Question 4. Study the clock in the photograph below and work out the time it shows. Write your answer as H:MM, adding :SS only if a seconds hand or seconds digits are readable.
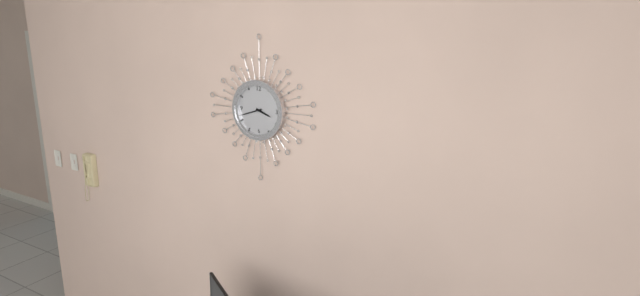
3:42
